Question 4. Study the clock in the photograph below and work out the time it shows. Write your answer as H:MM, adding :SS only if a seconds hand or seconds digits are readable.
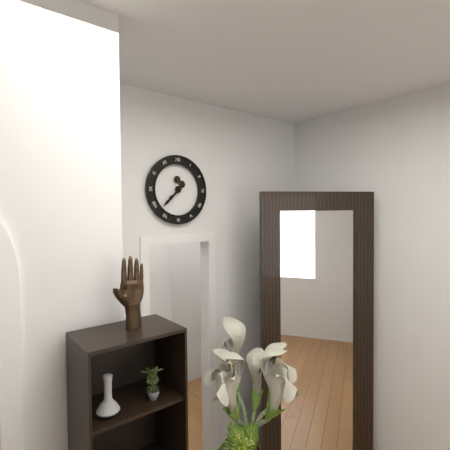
7:38
